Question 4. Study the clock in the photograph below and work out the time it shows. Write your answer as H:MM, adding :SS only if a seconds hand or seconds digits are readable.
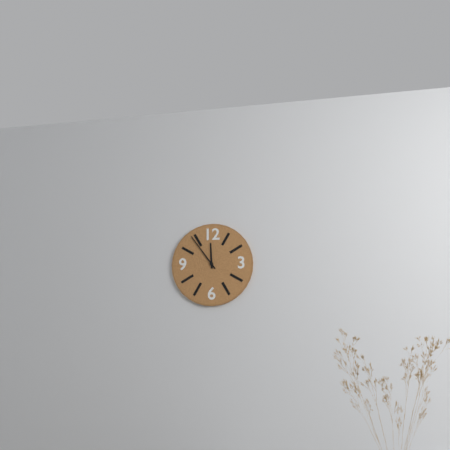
11:54
